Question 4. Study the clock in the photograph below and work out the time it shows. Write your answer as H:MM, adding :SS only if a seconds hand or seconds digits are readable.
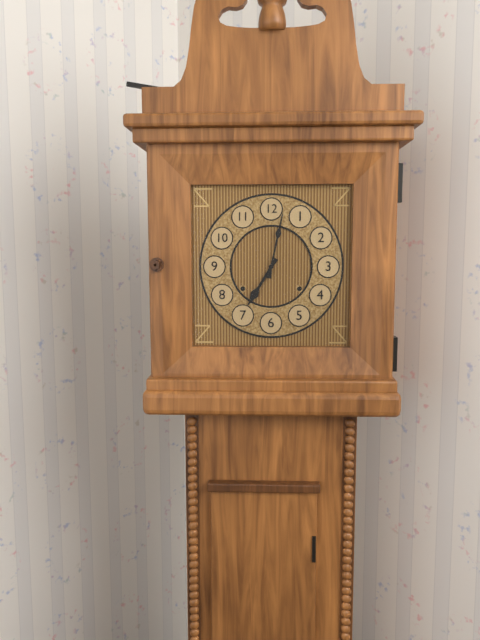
7:02
